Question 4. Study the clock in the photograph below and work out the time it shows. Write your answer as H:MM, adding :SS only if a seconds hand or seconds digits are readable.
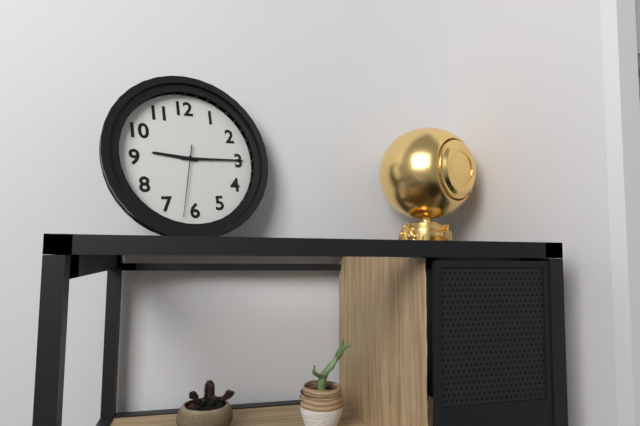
9:15:32
